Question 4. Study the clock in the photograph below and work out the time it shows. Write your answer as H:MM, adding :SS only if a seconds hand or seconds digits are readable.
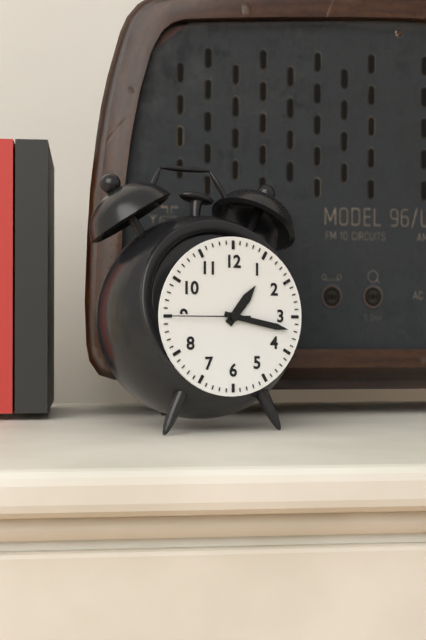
1:17:45
